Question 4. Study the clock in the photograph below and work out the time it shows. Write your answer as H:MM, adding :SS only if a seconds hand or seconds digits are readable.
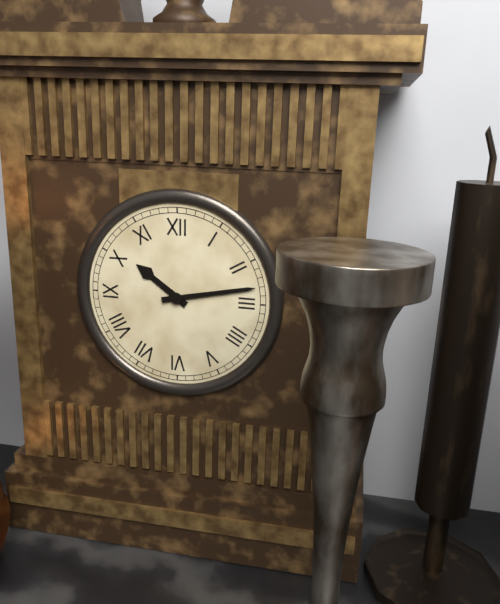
10:13
